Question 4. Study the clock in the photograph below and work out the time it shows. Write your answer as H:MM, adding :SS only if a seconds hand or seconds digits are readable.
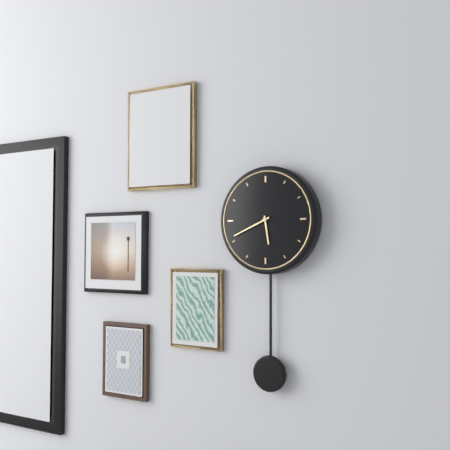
5:41
